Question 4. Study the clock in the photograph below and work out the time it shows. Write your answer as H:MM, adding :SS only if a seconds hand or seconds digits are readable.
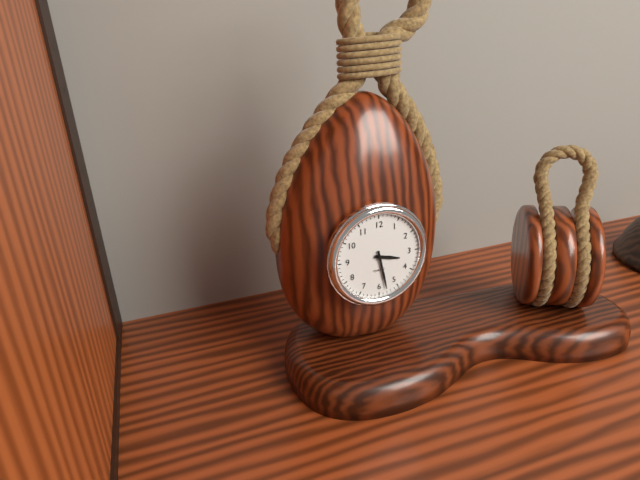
3:28
